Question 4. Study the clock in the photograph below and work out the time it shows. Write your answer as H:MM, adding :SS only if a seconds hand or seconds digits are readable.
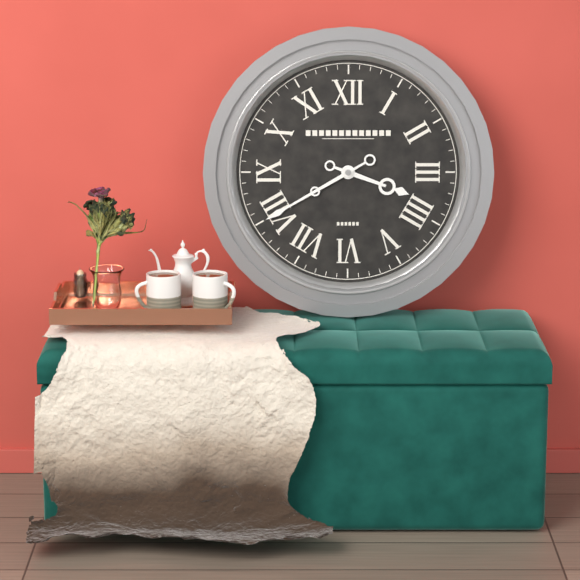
3:40
